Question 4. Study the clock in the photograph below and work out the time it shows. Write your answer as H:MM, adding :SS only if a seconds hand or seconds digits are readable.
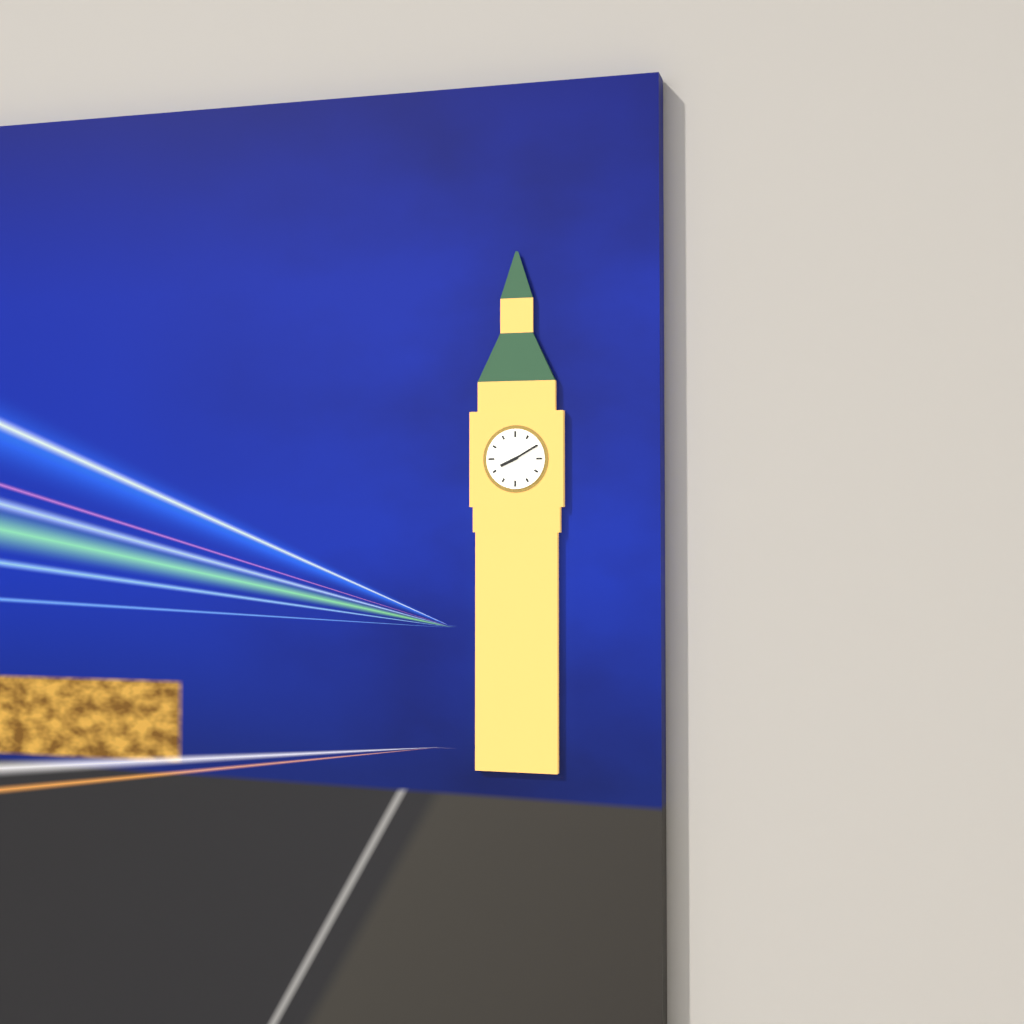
8:10
